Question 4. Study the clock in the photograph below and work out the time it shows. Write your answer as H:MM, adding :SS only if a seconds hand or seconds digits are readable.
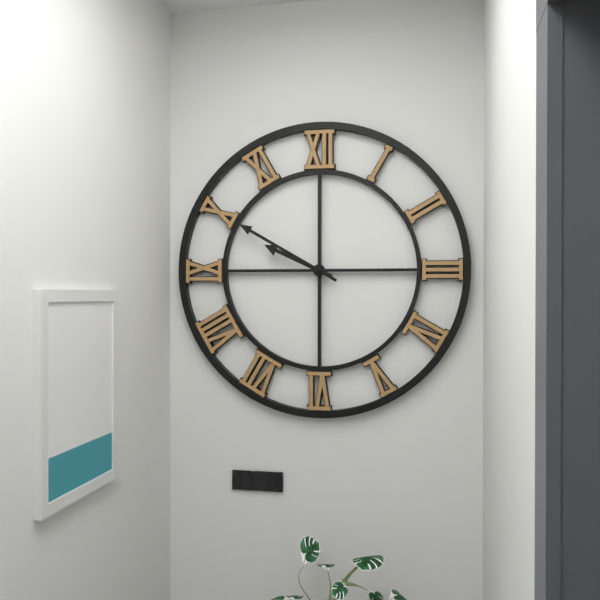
9:50
